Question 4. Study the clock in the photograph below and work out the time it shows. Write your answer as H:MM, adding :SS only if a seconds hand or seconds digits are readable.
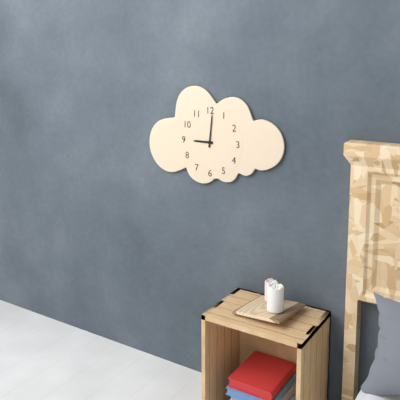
9:01
